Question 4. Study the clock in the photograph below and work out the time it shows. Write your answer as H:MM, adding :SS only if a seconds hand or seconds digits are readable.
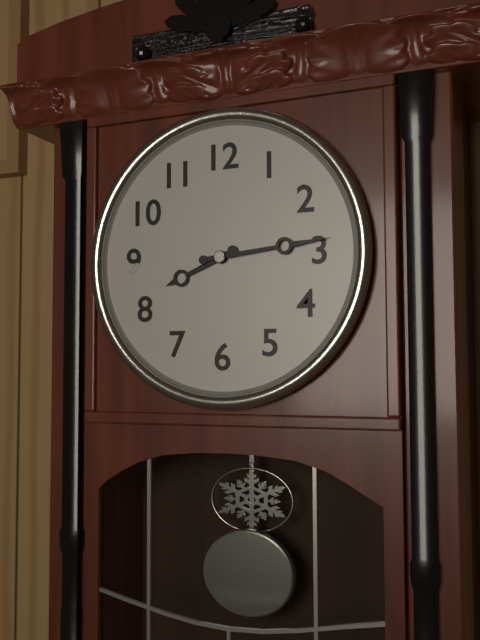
8:14
